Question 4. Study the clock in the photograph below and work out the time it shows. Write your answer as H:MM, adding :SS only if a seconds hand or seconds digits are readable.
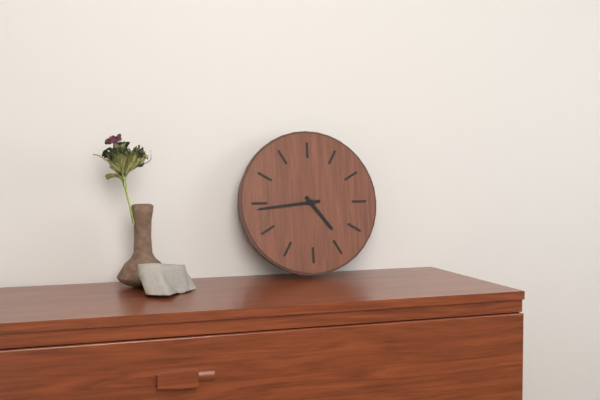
4:44
